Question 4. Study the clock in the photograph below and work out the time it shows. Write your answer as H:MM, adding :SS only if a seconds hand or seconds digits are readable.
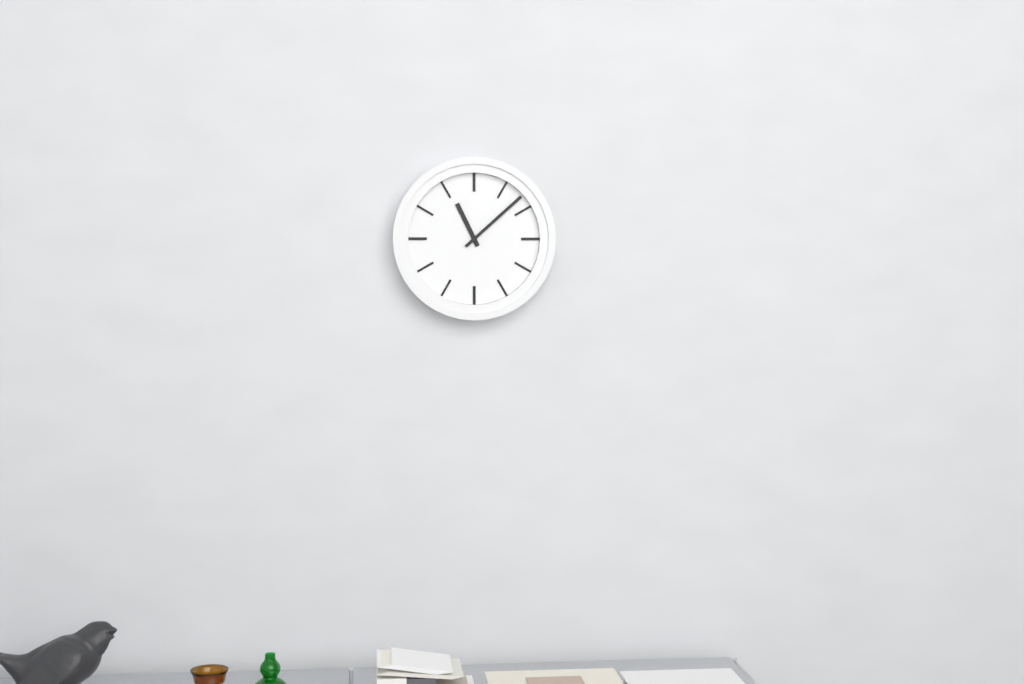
11:08
